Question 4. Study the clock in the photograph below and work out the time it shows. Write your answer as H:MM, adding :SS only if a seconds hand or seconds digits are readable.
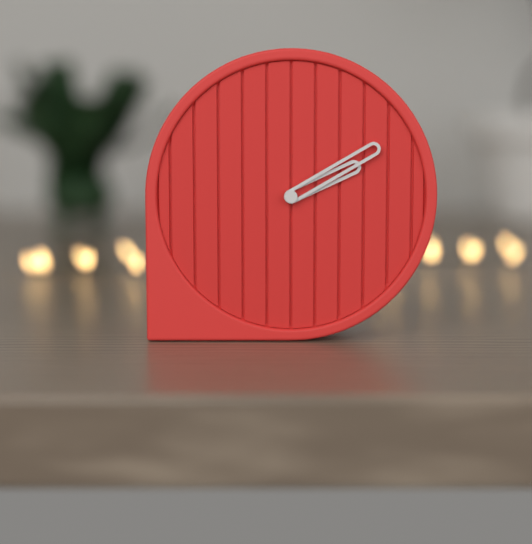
2:10
